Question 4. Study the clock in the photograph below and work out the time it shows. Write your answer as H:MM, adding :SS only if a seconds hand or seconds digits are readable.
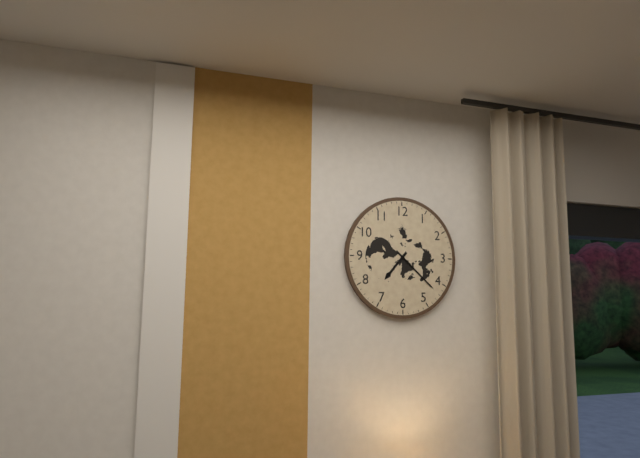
7:22
